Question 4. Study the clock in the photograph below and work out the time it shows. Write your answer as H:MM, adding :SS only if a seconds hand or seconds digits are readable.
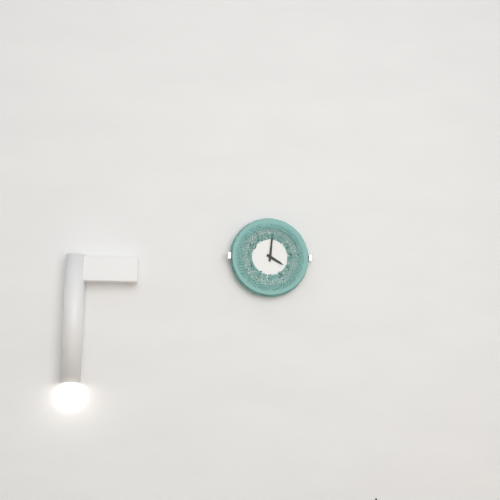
4:01
